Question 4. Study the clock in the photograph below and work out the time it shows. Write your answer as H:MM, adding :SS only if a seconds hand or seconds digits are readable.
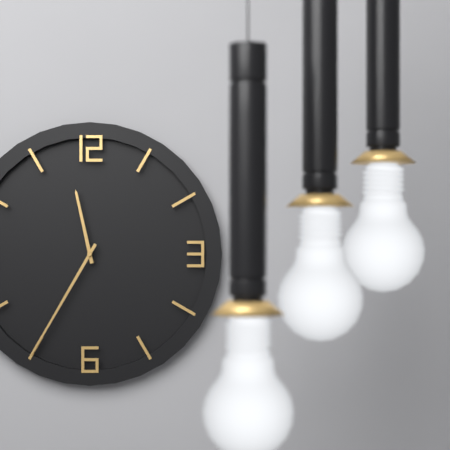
11:35
